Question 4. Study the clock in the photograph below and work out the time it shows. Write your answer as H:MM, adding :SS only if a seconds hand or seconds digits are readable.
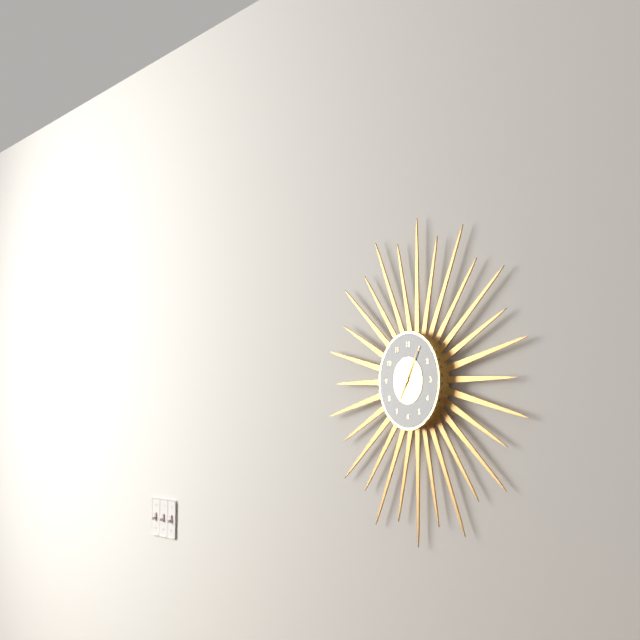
7:05
